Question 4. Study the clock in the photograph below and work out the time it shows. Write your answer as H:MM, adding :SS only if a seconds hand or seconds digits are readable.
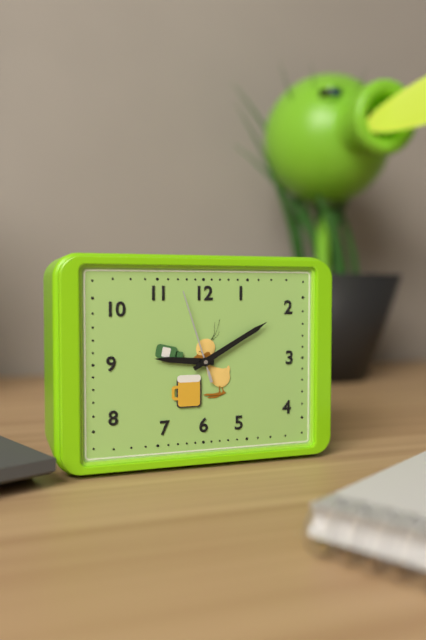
9:10:57
